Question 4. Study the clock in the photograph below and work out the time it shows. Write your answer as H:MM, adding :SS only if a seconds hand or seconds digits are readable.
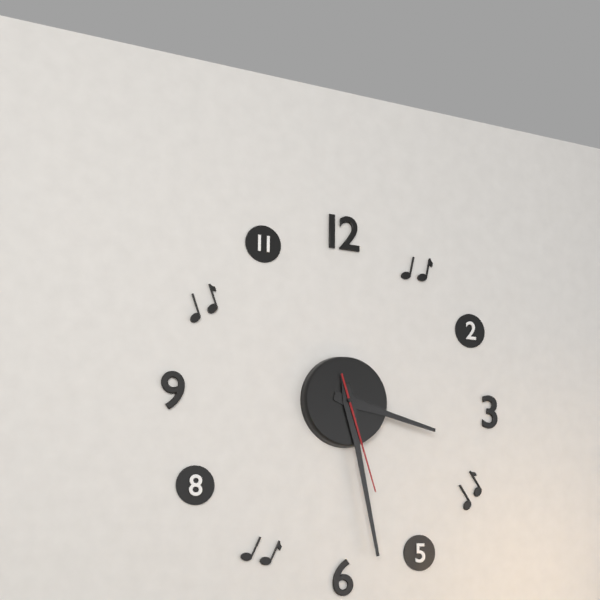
3:28:27
